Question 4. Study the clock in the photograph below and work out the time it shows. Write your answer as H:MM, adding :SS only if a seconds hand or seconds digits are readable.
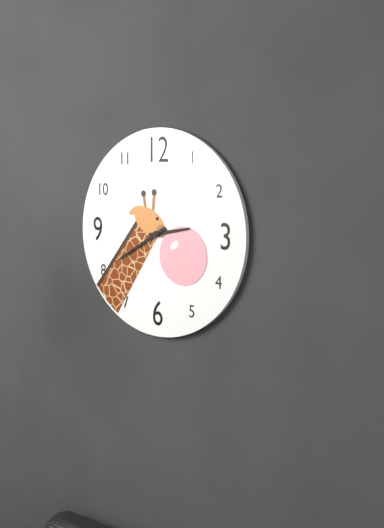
2:40
